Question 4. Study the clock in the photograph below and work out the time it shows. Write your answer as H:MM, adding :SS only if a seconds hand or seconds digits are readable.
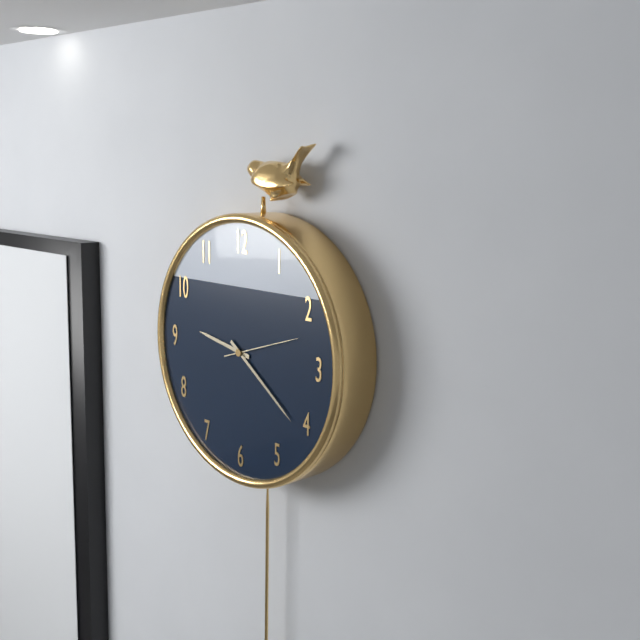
9:21:12
